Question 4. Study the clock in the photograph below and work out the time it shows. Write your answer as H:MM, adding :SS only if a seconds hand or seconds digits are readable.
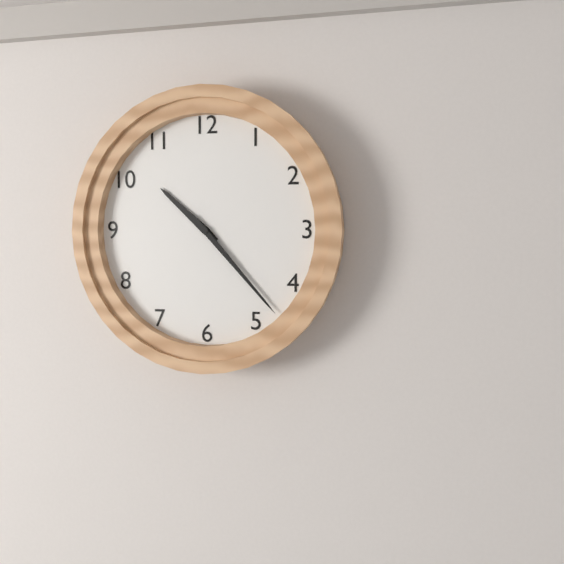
10:23
